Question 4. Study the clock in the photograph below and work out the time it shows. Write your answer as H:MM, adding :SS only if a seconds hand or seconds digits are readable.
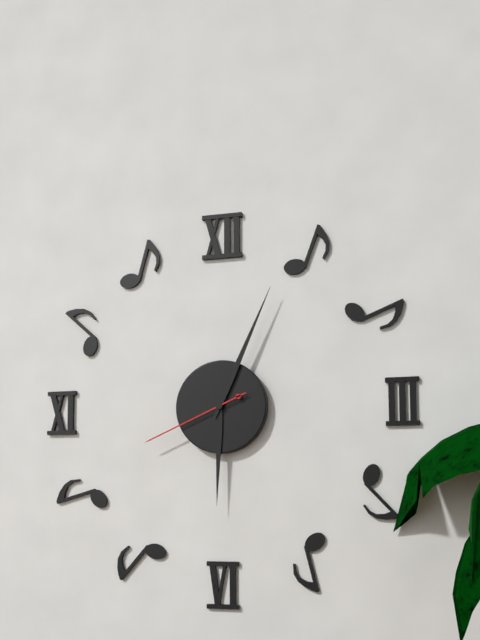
6:04:41
